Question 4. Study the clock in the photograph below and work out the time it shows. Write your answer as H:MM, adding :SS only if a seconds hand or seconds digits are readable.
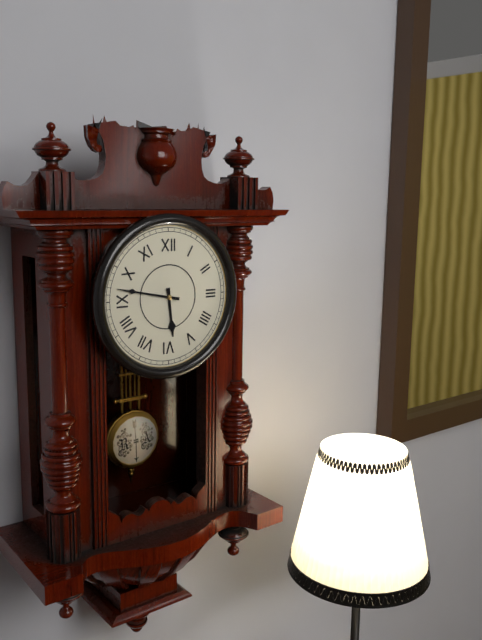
5:47
